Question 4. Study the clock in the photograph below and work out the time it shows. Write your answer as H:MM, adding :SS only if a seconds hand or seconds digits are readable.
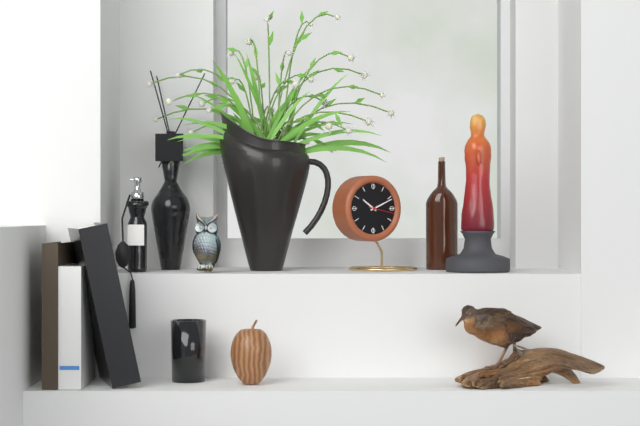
10:11
